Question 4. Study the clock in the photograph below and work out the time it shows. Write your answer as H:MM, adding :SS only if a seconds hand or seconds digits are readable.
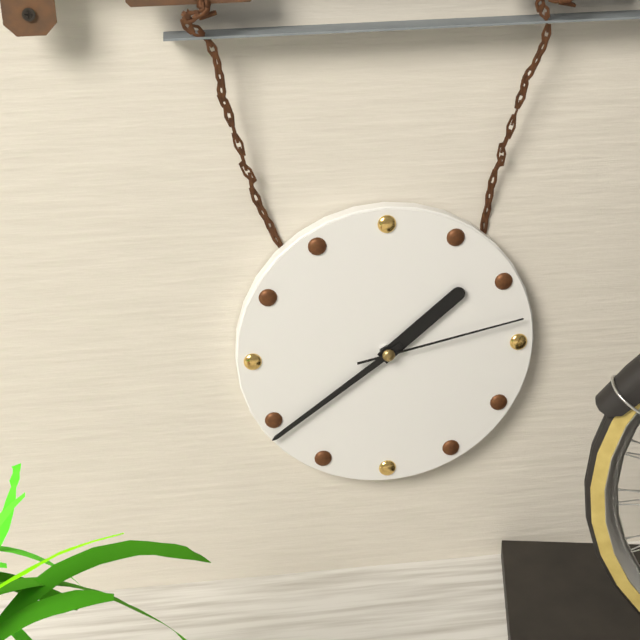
1:39:13
